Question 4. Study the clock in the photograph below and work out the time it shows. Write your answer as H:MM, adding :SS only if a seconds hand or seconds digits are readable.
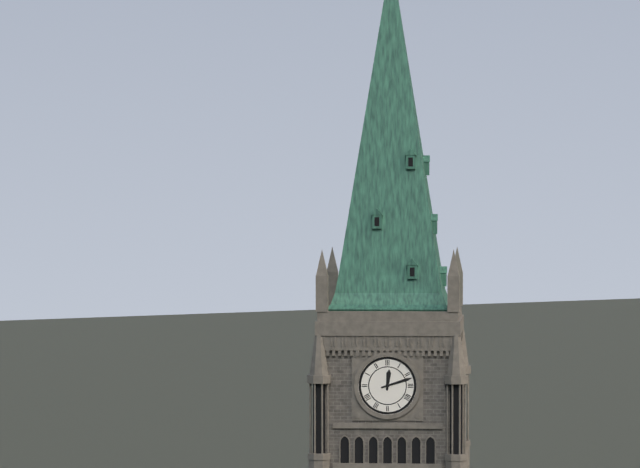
12:12
